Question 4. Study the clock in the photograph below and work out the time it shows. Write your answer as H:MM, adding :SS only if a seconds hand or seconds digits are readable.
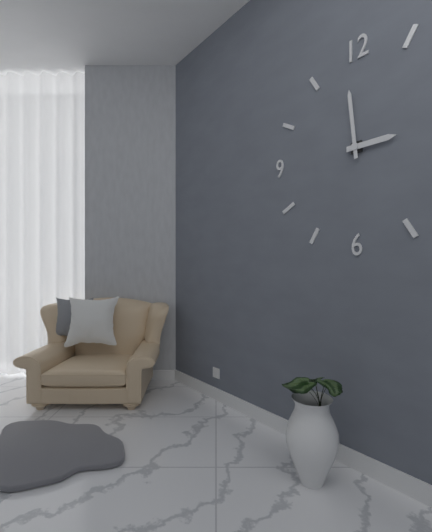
2:59
